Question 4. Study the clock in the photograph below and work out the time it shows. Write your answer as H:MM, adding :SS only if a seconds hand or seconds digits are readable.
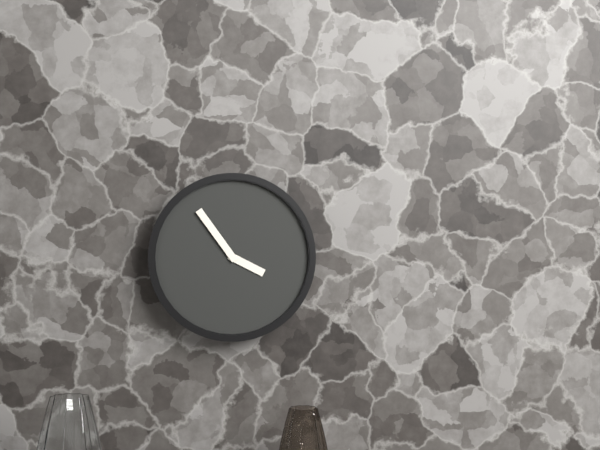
3:54
